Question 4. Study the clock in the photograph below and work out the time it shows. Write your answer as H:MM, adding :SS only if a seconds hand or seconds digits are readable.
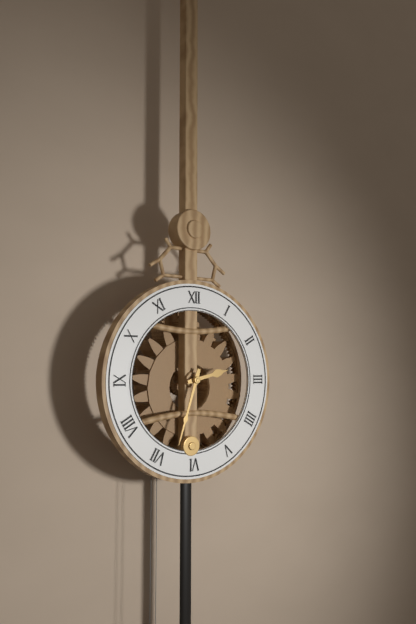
2:33
